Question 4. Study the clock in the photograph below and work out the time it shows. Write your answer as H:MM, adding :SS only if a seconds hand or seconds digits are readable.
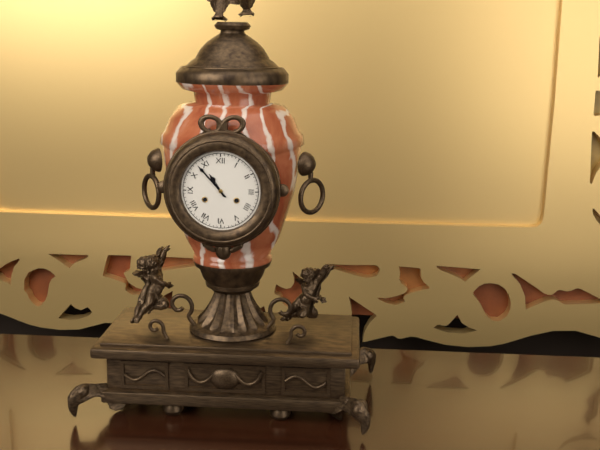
10:53
